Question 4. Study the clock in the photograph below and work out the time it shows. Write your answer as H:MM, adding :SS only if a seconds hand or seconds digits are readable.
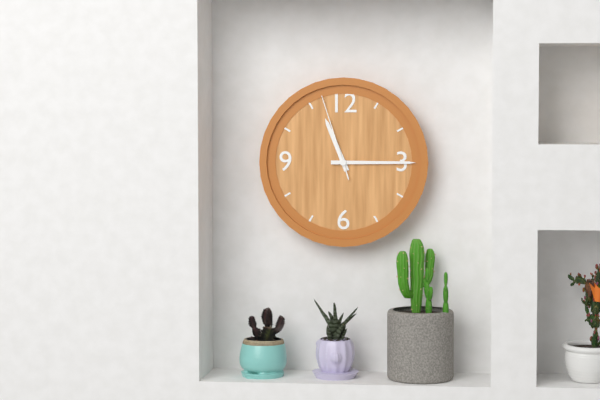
11:15:57
